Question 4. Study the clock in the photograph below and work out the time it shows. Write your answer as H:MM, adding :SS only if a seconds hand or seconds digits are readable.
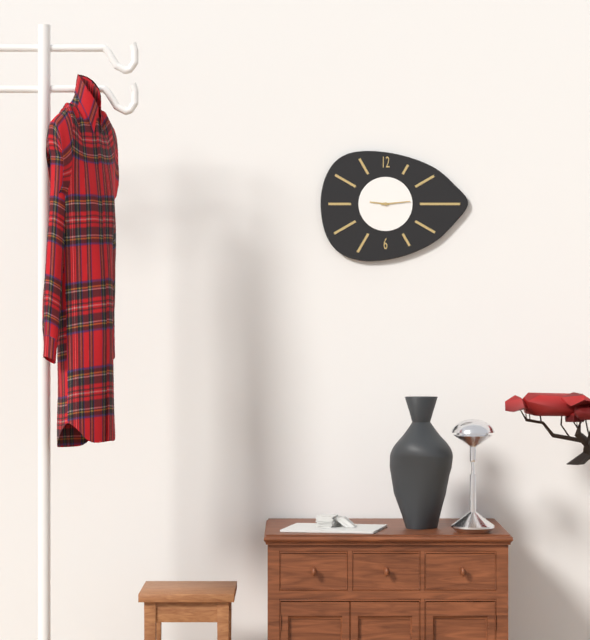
9:14
